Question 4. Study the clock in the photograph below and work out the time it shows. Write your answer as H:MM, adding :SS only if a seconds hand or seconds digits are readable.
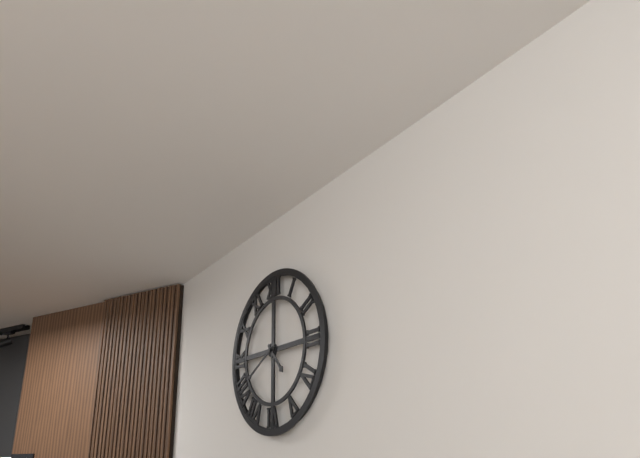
4:40
